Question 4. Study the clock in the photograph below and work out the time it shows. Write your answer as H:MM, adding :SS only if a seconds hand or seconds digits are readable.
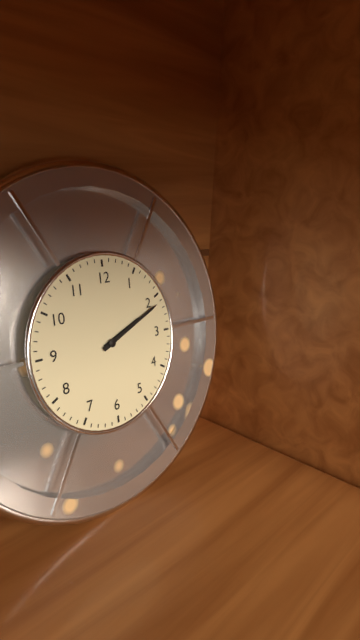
2:11
